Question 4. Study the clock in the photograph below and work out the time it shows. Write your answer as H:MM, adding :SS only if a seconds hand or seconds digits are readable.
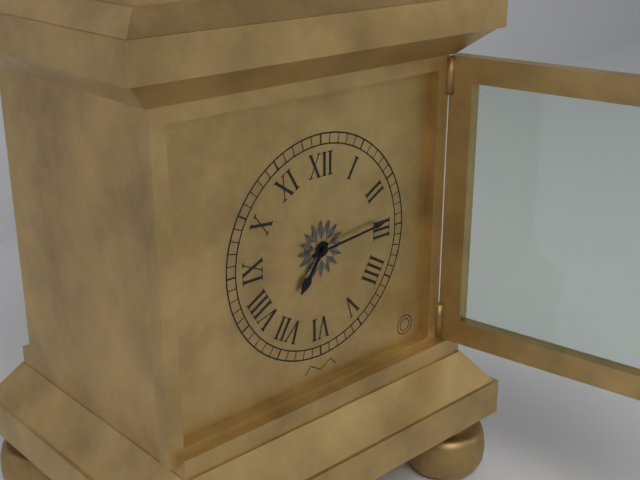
7:14
